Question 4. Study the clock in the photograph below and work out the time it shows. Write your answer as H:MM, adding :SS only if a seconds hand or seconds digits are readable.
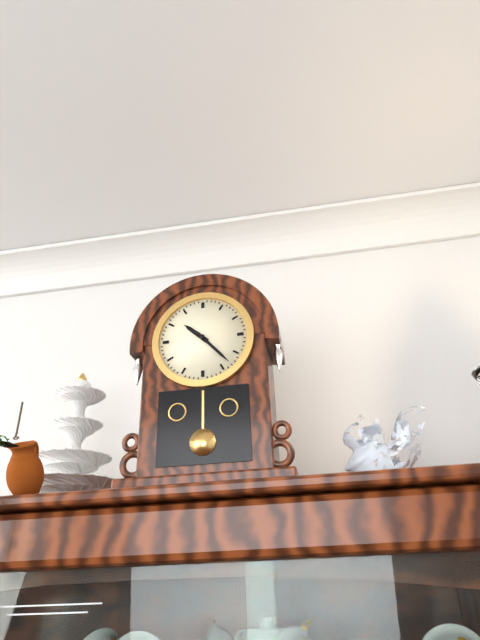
10:23
